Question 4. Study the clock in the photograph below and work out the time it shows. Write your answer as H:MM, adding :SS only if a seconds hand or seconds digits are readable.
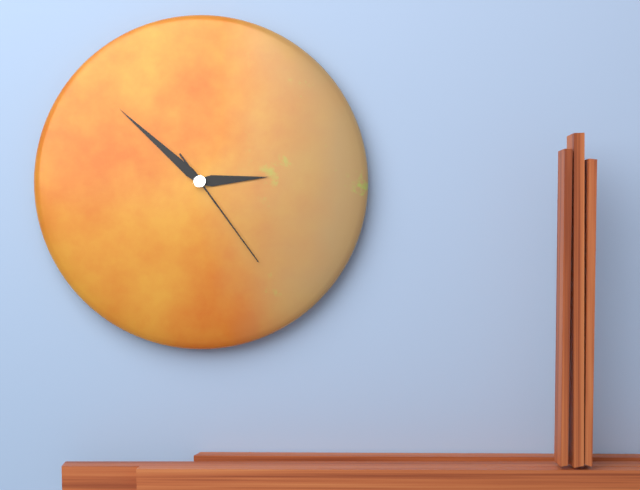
2:52:24
